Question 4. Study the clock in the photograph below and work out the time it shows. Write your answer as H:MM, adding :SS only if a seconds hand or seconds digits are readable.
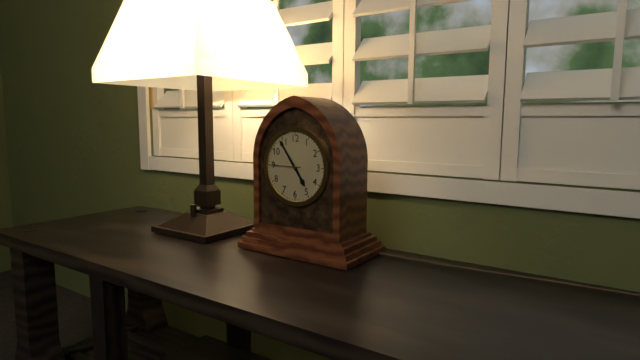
4:54
